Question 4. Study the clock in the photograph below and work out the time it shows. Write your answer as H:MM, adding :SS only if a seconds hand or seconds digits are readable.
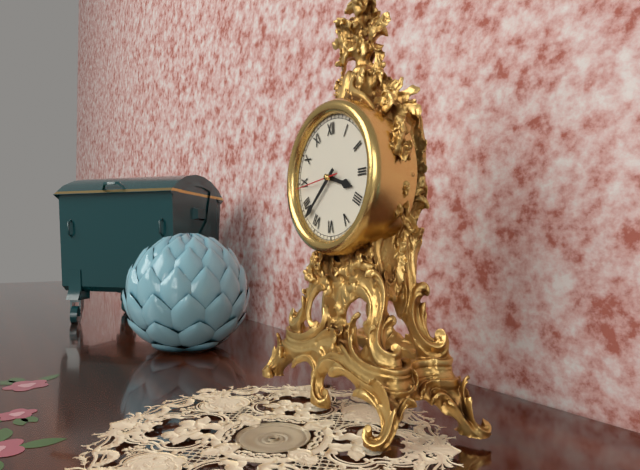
3:38
